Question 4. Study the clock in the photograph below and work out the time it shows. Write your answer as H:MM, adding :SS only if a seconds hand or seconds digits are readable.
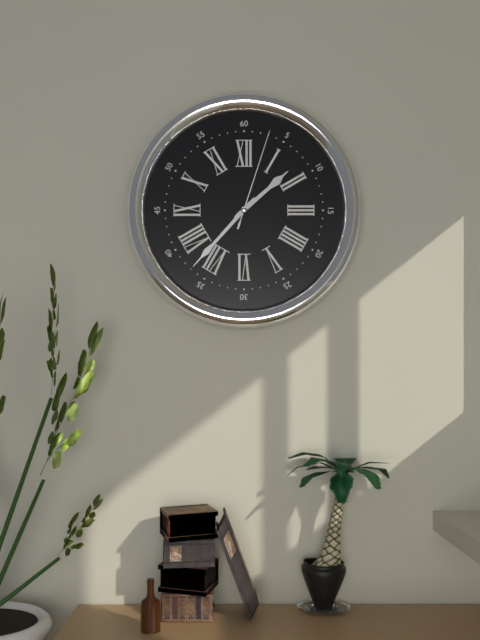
1:37:03
